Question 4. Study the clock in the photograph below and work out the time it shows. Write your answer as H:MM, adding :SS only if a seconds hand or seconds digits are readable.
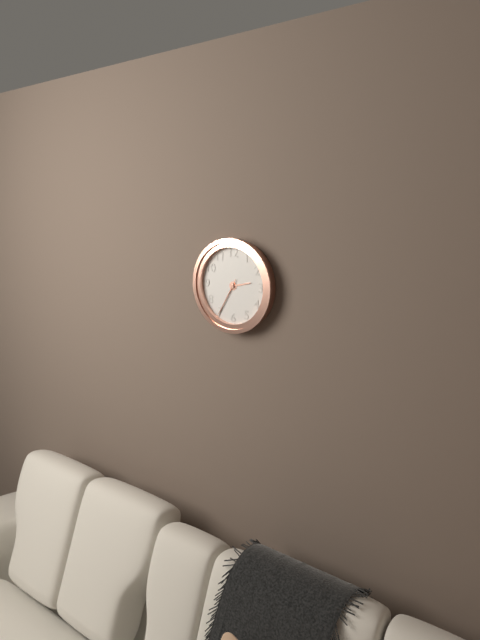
2:35
